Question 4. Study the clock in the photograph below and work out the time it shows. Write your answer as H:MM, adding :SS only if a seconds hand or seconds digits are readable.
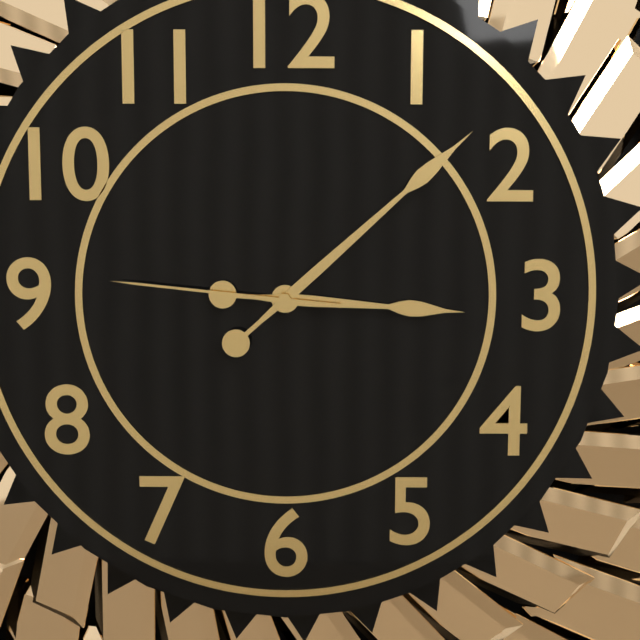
3:08:46
